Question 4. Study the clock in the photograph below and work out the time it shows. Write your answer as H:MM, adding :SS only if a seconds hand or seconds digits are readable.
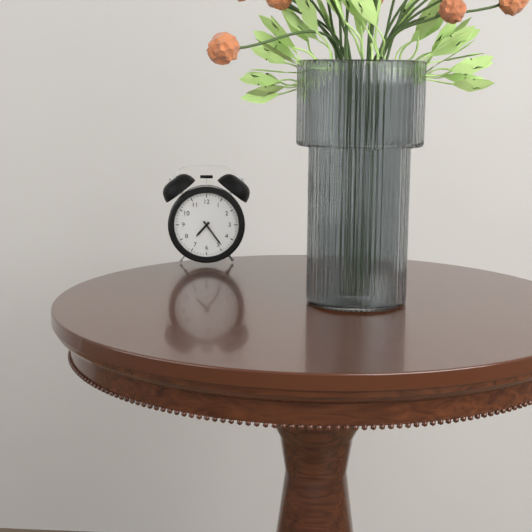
7:24
